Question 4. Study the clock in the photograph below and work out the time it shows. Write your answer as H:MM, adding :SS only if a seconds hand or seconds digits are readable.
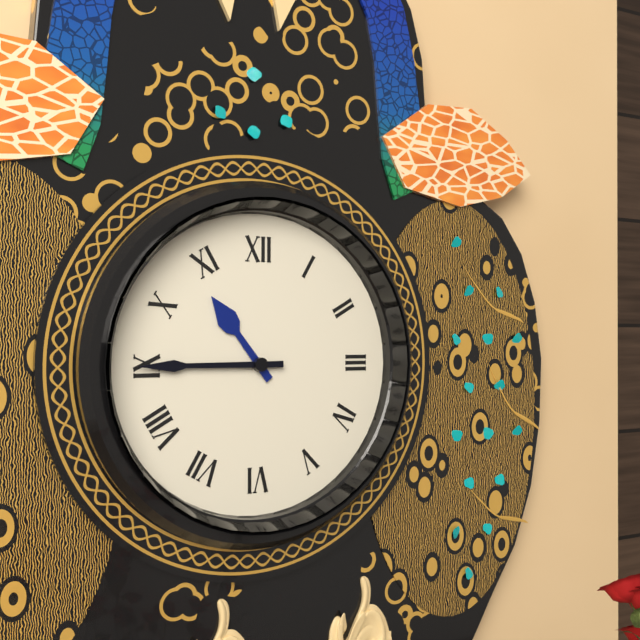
10:45
